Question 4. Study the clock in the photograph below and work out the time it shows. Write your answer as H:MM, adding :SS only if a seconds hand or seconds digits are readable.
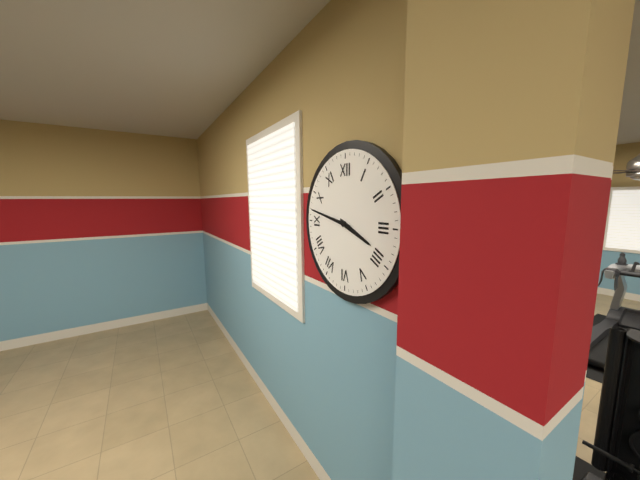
3:47
